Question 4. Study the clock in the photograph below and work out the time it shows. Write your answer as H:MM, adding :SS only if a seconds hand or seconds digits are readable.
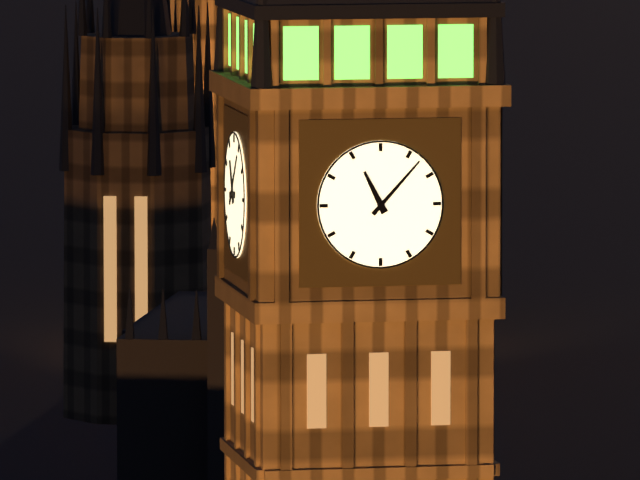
11:07
